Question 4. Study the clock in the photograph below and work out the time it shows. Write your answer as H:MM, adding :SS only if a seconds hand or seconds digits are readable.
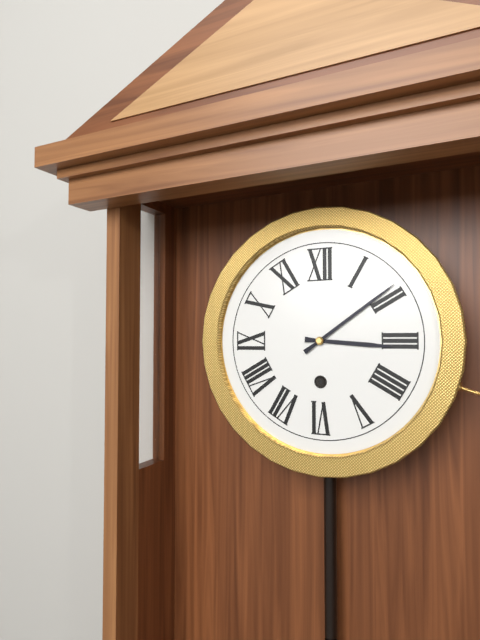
3:09
